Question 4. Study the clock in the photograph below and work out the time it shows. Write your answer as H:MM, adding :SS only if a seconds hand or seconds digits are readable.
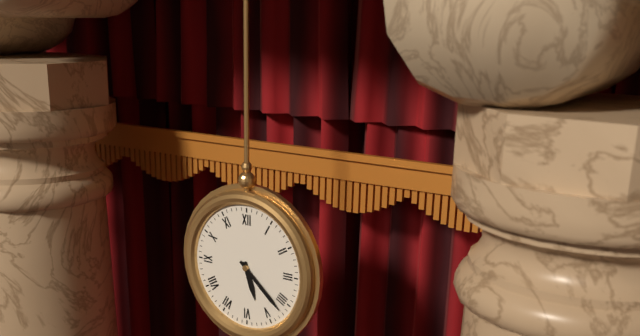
5:22
